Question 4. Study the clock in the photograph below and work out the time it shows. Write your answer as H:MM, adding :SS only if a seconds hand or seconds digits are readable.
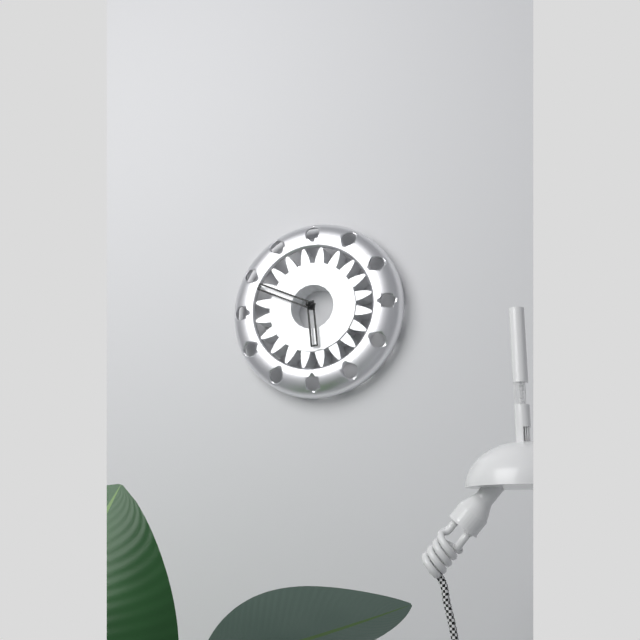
5:49
